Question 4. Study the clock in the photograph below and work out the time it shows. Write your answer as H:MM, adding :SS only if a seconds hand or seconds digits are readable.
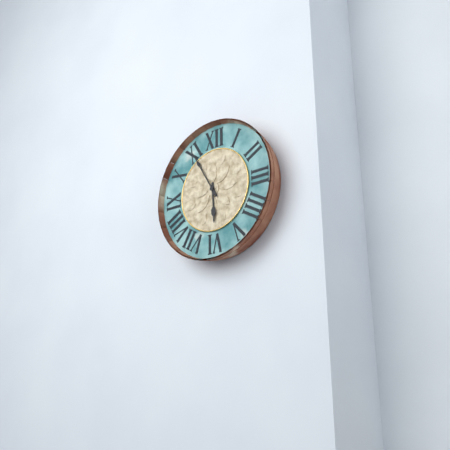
5:55
